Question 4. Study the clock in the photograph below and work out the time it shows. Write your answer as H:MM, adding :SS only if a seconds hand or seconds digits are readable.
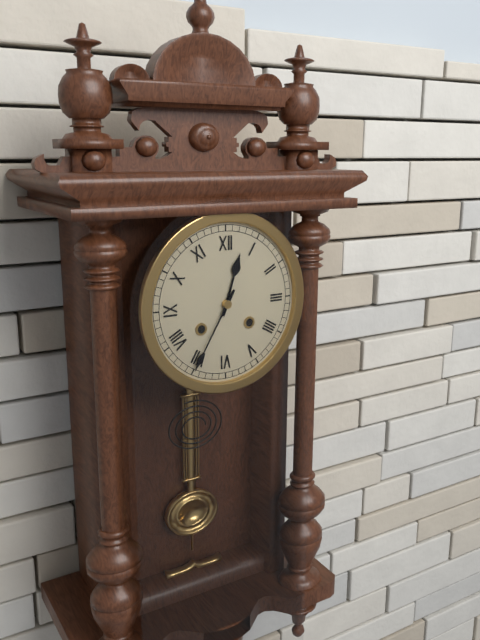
12:35
